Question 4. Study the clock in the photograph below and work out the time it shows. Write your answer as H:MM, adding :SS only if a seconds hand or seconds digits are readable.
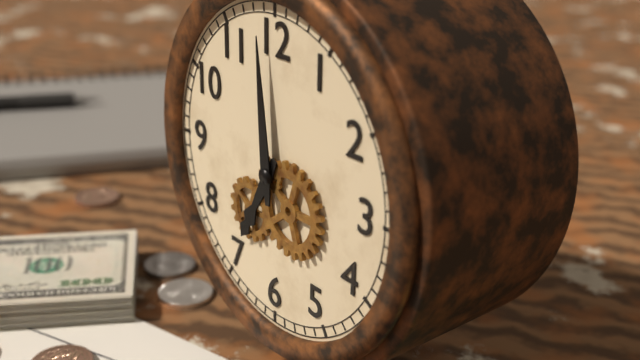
6:59
